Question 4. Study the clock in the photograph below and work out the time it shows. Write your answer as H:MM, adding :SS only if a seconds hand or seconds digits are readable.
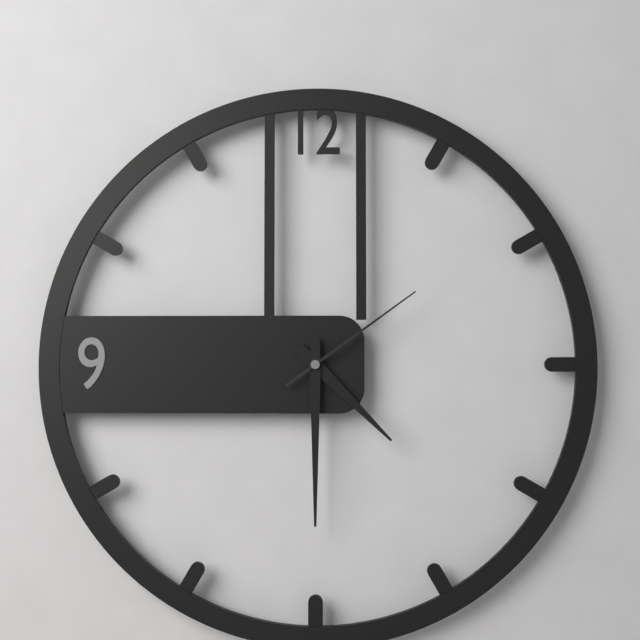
4:30:09
